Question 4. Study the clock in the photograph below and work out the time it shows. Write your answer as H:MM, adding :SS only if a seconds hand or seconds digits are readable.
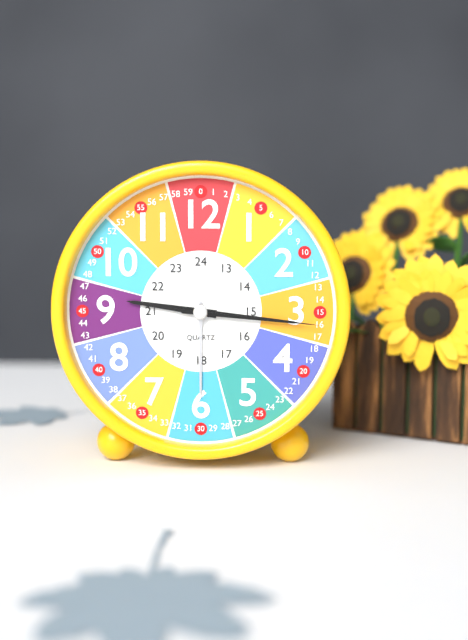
9:16:16
